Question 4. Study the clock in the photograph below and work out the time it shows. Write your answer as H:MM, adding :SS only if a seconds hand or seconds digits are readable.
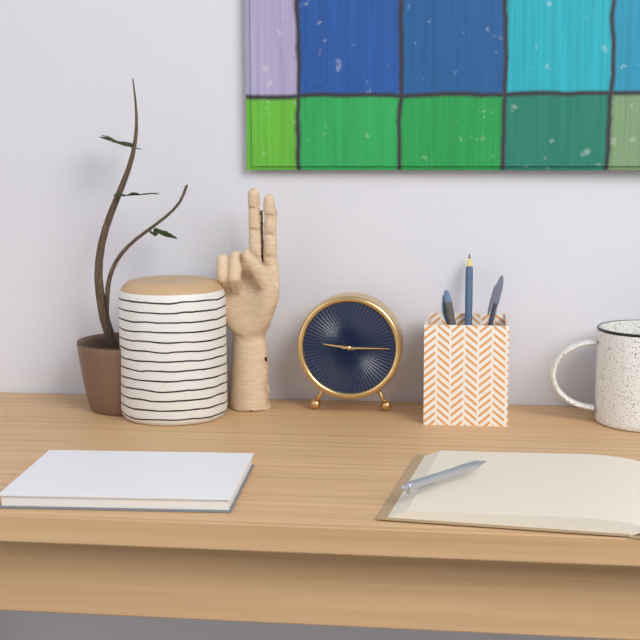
9:15
